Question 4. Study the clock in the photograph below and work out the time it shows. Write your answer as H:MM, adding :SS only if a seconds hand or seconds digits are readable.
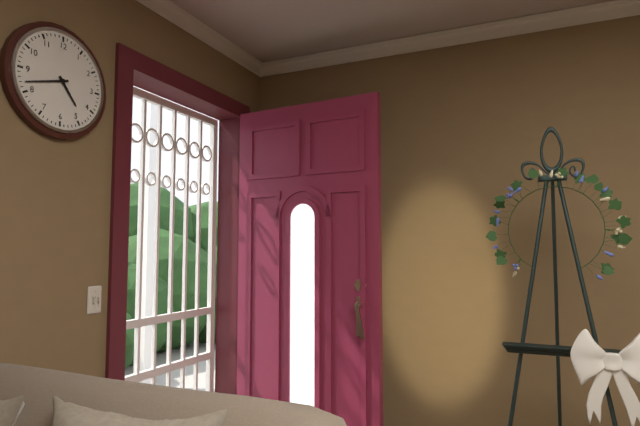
4:42
